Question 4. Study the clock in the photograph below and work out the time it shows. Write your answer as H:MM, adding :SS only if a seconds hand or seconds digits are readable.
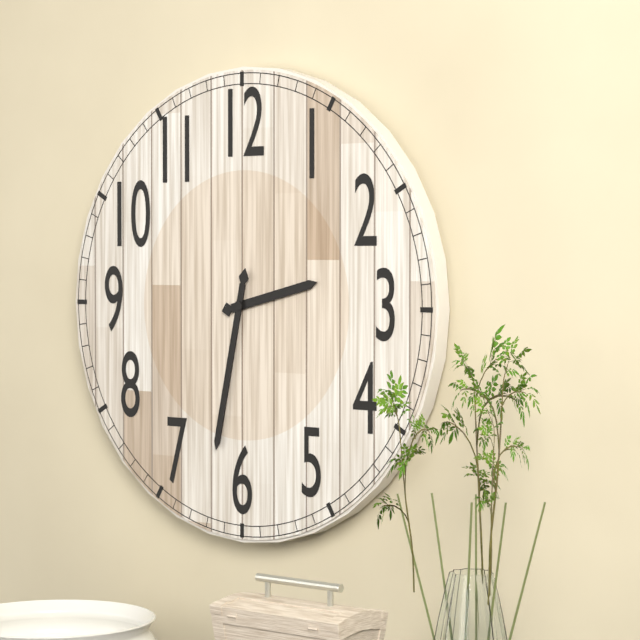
2:32
